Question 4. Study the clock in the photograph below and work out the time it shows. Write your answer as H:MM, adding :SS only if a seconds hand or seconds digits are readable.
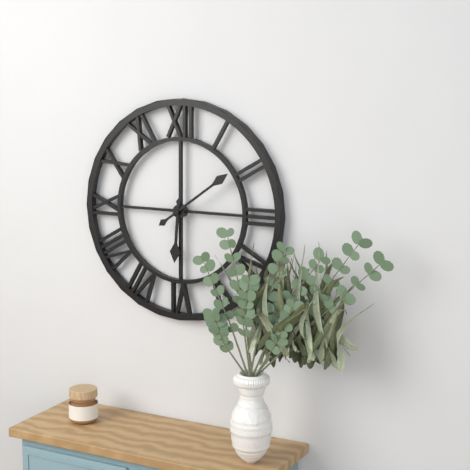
6:09
